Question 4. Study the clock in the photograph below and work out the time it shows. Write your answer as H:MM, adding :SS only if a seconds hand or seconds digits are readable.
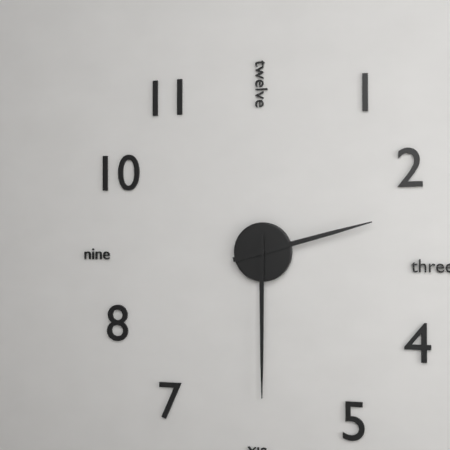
2:30
